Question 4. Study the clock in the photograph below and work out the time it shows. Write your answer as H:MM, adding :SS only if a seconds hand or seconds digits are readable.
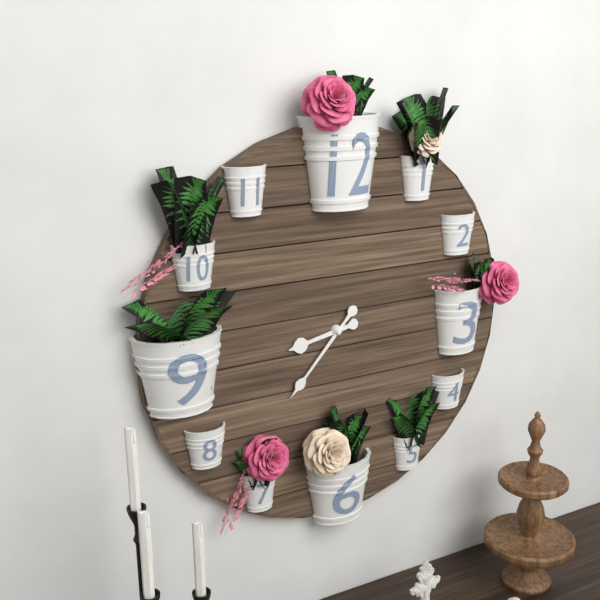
8:37
